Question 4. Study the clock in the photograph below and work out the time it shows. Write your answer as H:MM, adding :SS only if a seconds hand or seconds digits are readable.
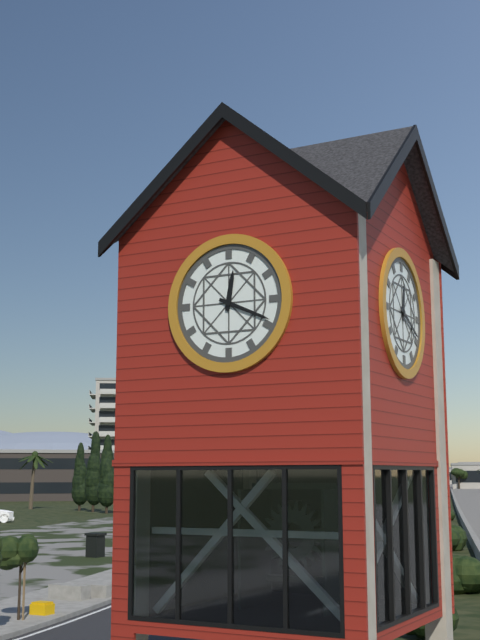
12:19
